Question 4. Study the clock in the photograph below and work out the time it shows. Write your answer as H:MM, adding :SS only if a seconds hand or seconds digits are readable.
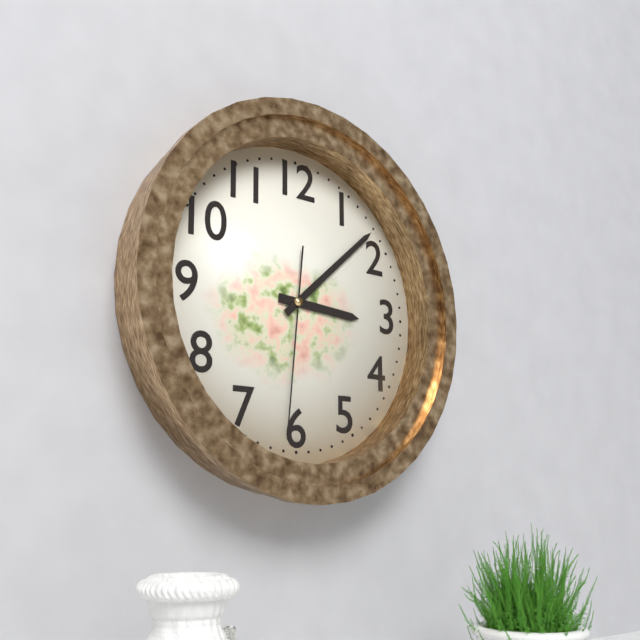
3:08:31
